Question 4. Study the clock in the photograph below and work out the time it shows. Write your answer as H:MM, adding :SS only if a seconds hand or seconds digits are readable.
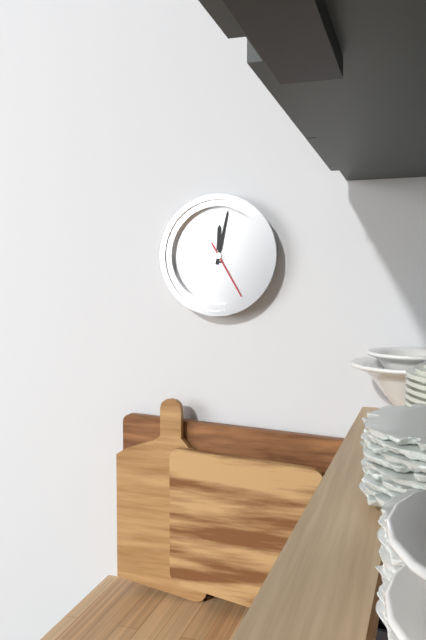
12:02:25
